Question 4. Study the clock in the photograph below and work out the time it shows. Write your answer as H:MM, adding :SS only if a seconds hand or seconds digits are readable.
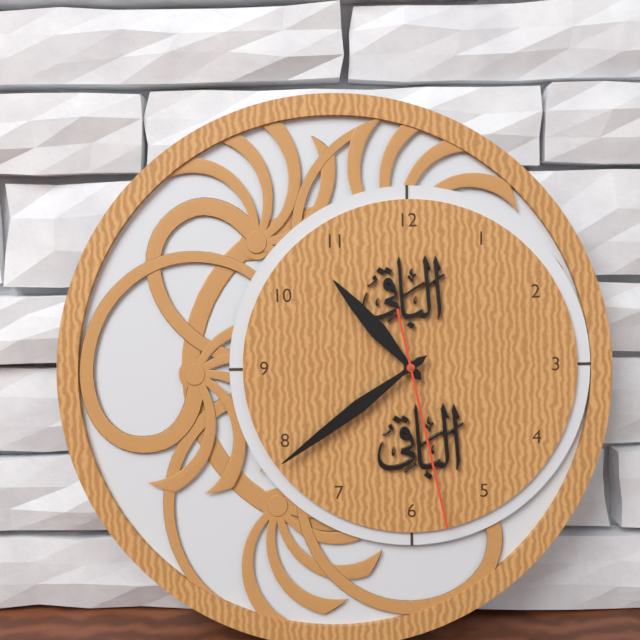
10:39:28
